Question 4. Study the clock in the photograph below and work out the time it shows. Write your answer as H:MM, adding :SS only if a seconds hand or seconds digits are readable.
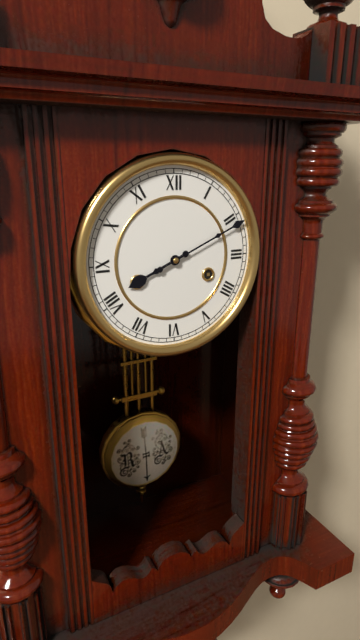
8:11
